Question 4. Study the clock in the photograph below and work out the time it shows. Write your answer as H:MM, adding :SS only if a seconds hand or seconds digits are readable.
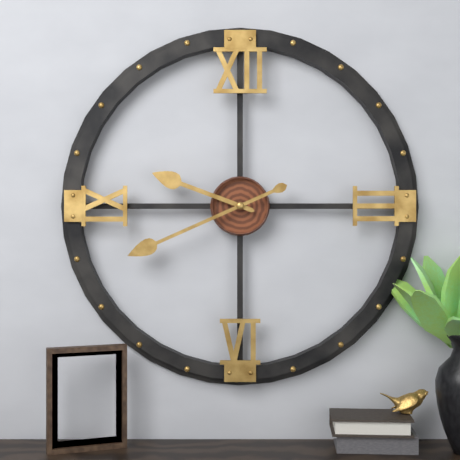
9:41
